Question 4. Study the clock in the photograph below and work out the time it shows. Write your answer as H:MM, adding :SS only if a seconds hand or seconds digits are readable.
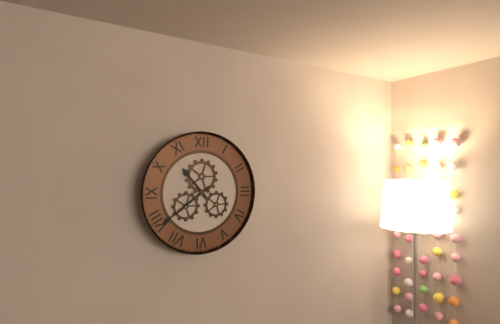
10:39
